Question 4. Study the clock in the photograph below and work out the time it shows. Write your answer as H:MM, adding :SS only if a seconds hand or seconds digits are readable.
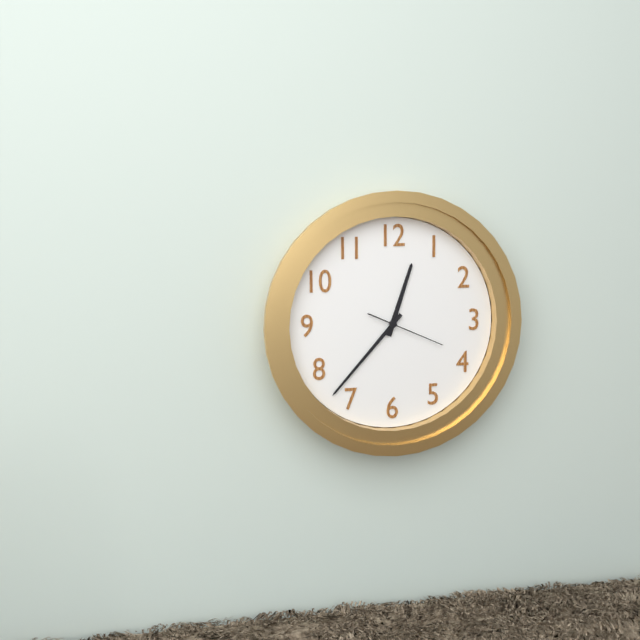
12:37:19
